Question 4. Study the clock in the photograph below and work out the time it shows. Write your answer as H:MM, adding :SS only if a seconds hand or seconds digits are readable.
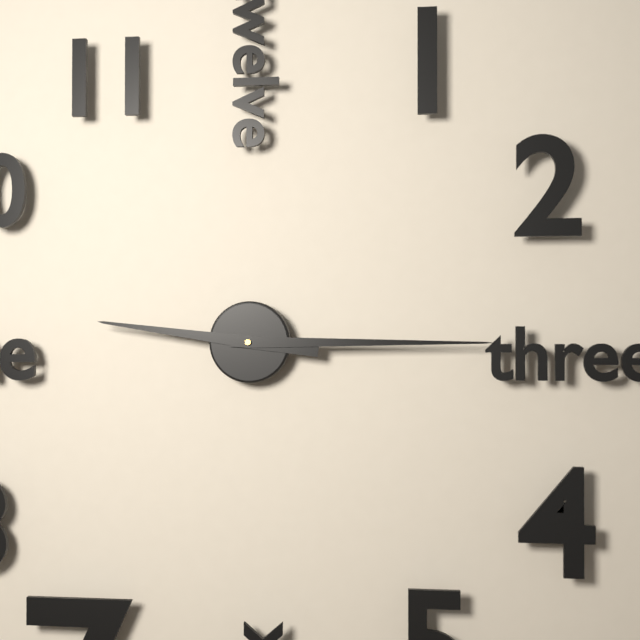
9:15
